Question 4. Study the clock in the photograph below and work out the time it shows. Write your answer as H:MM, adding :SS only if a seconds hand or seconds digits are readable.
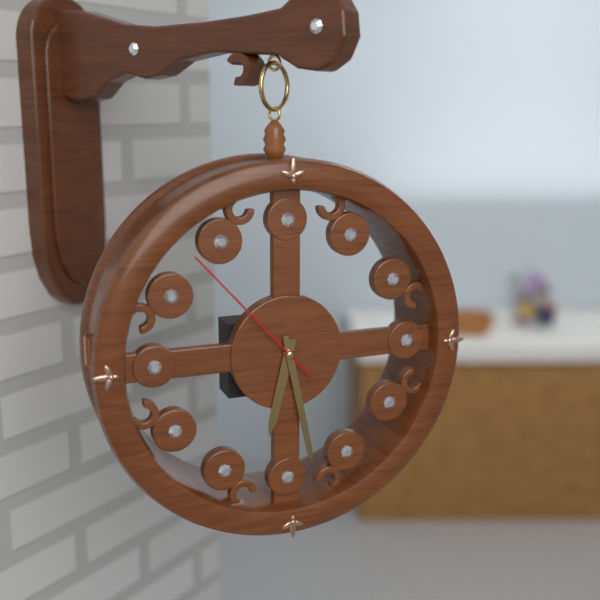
6:28:53
